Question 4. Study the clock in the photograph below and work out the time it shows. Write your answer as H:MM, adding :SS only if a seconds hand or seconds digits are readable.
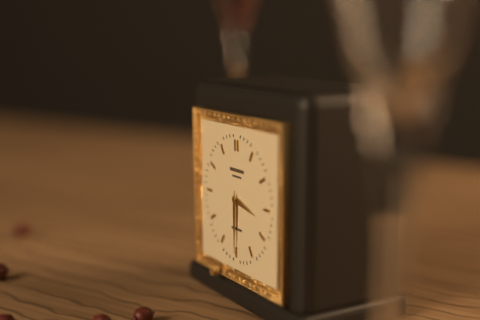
3:30
